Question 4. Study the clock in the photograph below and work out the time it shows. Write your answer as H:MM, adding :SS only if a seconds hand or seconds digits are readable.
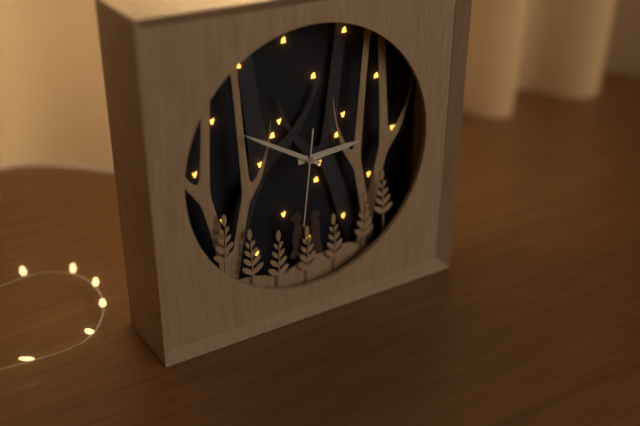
2:50:31
